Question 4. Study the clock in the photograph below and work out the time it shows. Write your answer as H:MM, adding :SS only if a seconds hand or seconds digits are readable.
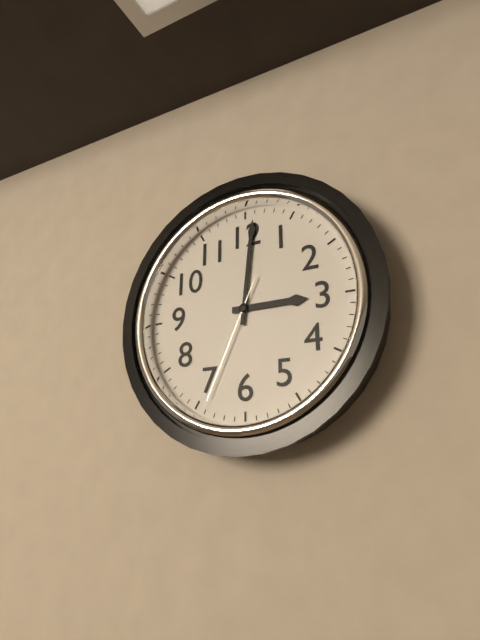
3:01:34
